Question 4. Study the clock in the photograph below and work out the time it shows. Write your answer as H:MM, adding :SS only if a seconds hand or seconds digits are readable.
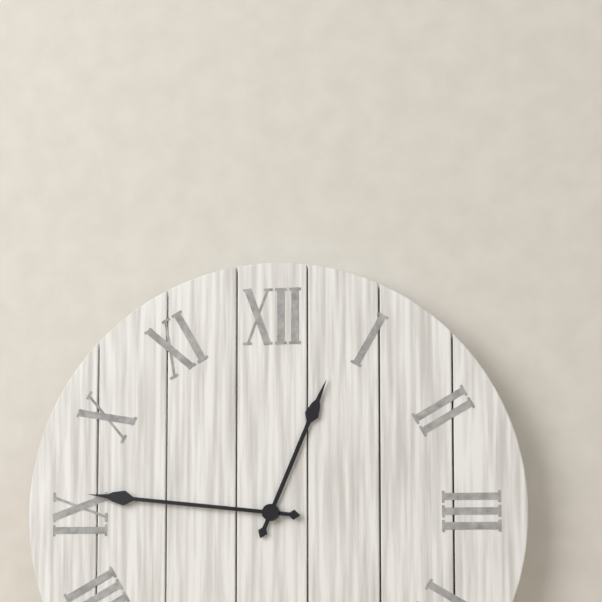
12:46
